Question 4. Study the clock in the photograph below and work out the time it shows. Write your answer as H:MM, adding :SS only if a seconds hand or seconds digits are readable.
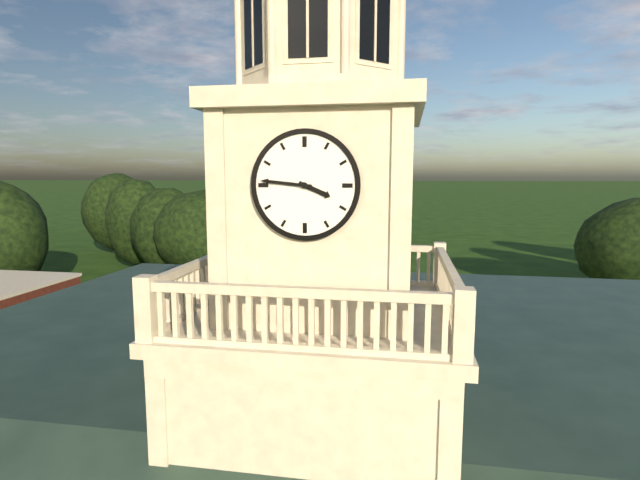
3:46
